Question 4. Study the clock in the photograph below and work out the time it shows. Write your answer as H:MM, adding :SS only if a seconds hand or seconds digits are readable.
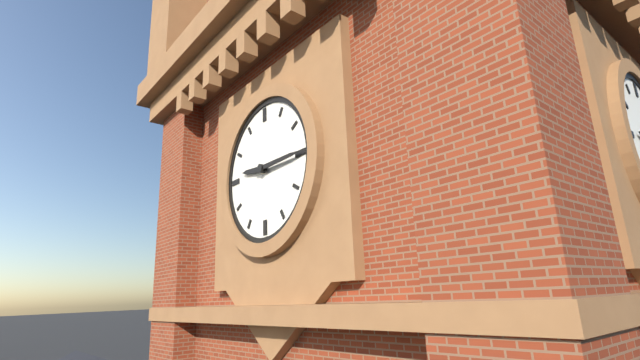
9:15
